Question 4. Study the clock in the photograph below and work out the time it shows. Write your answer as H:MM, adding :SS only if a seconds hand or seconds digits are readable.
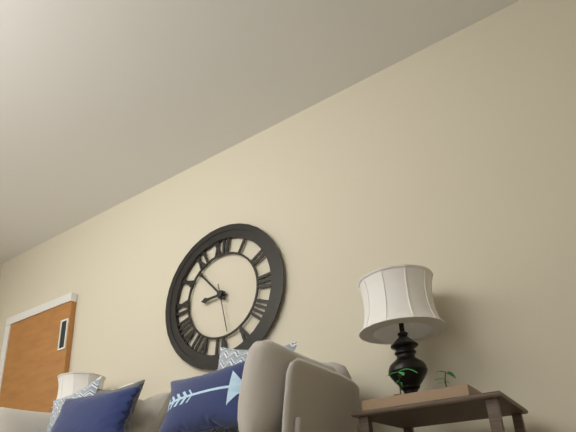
8:53
